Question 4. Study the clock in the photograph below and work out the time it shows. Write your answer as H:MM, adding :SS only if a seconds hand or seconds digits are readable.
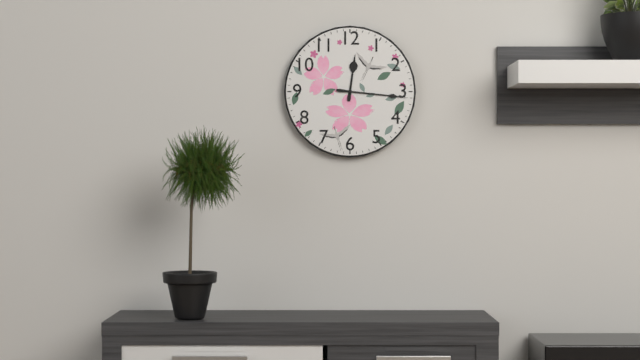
12:16
